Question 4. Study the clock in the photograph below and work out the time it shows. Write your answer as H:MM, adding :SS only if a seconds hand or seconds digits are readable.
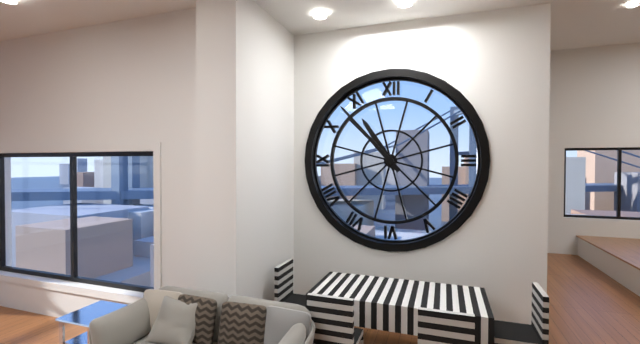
10:53
